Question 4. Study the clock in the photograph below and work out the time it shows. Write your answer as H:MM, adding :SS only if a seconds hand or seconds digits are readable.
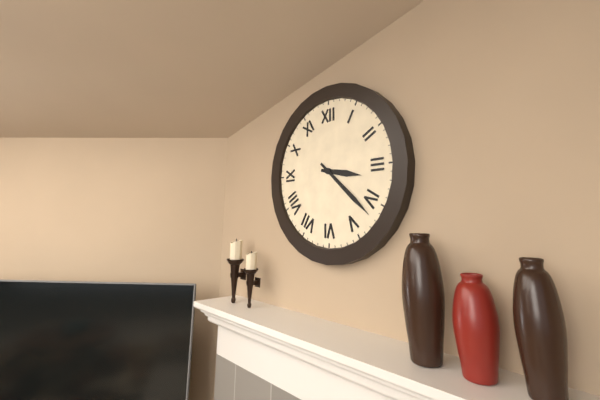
3:22
